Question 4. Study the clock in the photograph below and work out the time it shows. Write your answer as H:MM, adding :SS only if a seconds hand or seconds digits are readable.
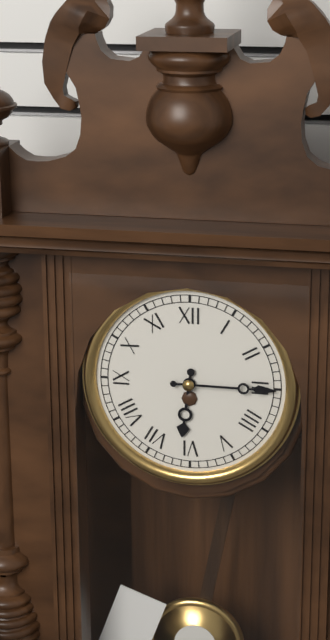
6:15
